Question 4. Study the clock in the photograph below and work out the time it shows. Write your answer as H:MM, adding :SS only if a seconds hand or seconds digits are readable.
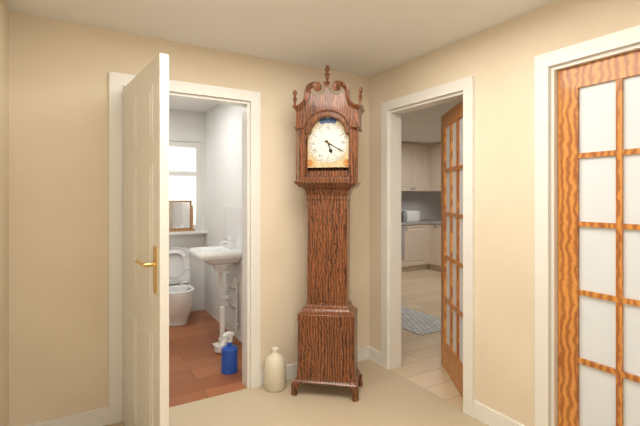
5:20
